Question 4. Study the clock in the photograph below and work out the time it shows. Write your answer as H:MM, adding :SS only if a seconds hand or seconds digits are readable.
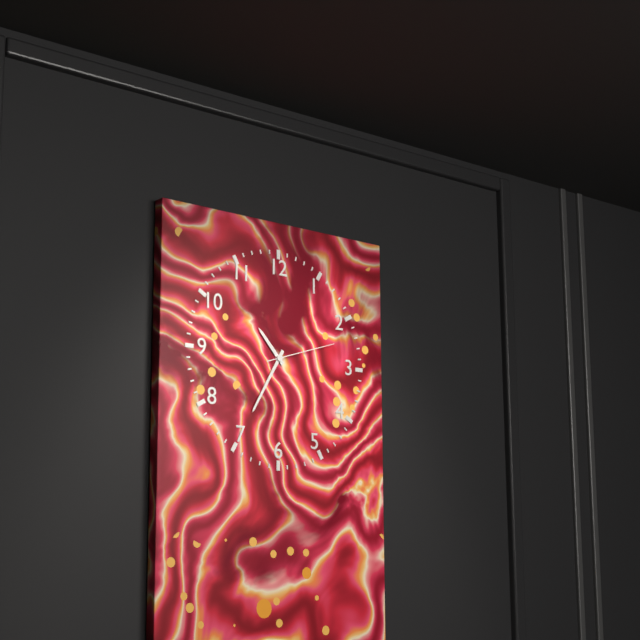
10:35:12
